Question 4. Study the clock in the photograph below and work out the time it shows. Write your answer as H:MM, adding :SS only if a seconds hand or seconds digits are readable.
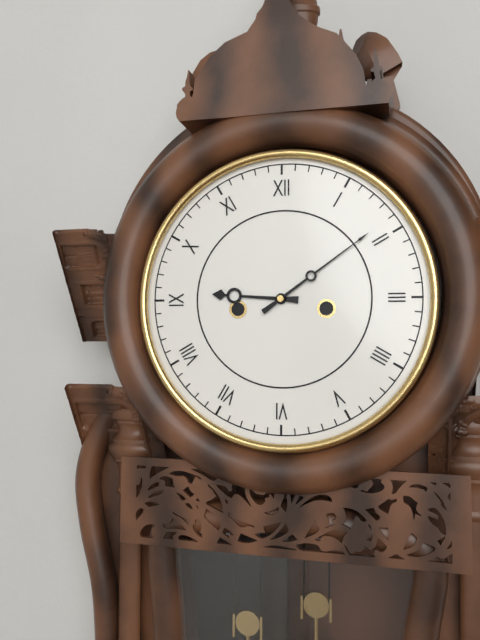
9:09
